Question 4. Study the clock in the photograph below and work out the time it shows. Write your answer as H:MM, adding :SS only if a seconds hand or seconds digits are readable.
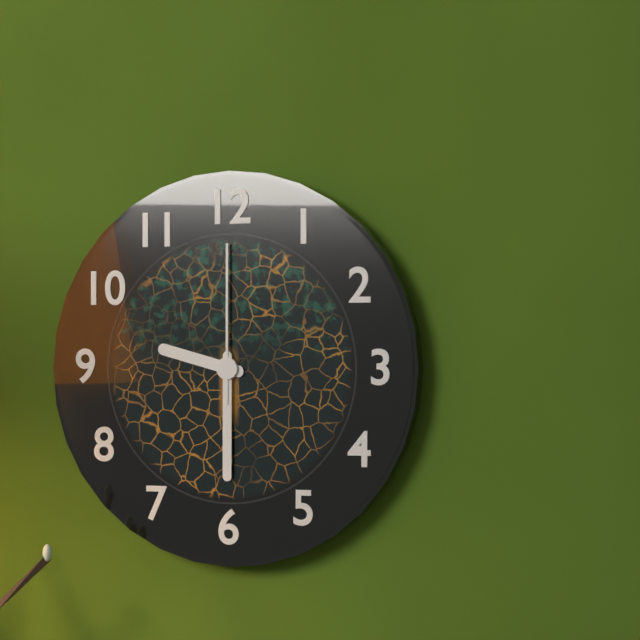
9:30:00
